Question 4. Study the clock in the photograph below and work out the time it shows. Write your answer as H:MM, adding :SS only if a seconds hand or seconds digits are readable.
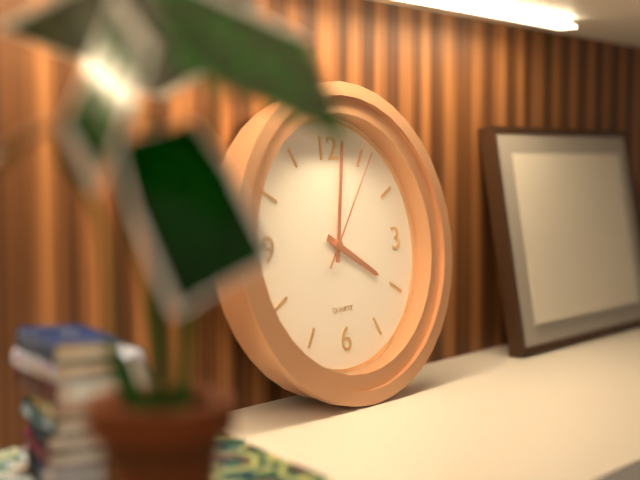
4:02:06
